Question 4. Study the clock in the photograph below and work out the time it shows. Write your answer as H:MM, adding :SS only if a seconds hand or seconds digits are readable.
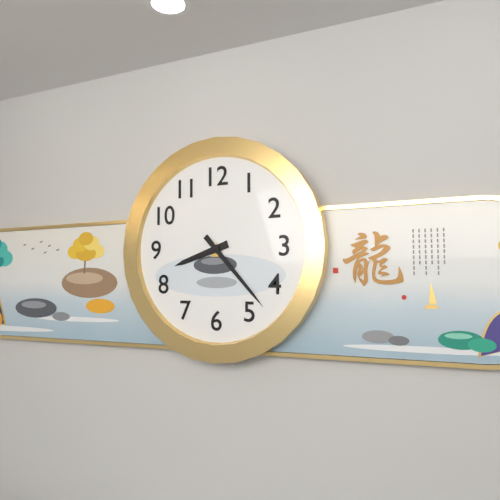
8:23
